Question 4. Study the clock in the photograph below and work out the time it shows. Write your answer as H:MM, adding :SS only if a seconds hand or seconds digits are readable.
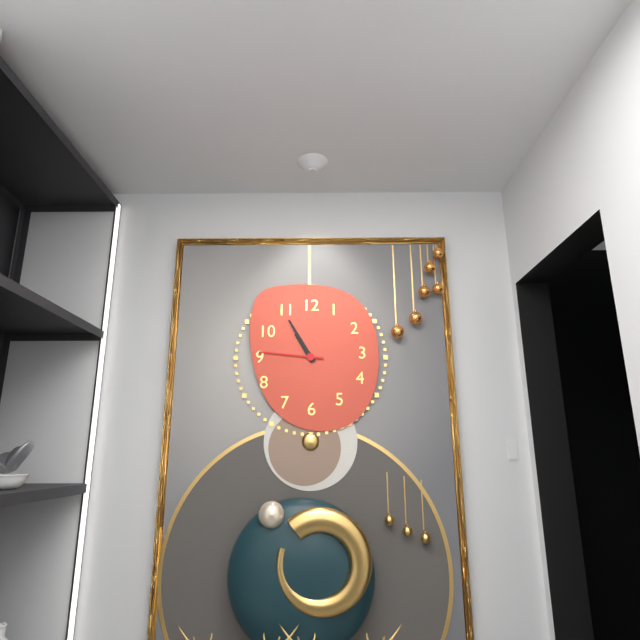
10:55:46
